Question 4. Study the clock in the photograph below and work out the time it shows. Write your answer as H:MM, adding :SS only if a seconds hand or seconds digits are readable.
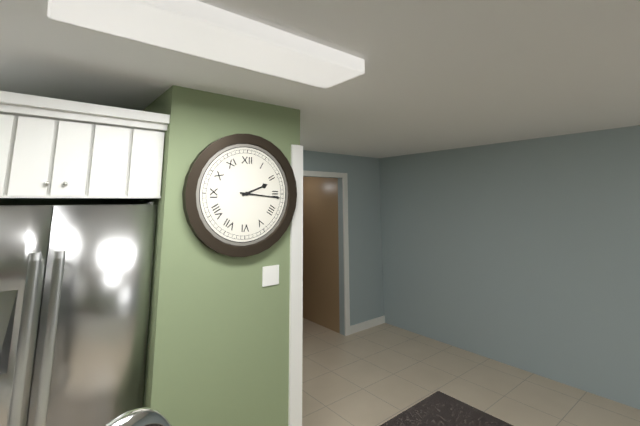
2:16
